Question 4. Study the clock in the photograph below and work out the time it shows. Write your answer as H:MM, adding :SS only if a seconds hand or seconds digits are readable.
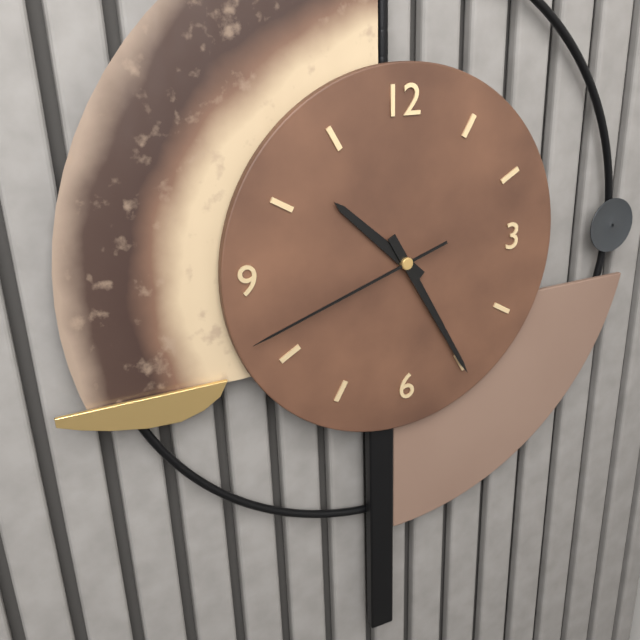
10:25:42
